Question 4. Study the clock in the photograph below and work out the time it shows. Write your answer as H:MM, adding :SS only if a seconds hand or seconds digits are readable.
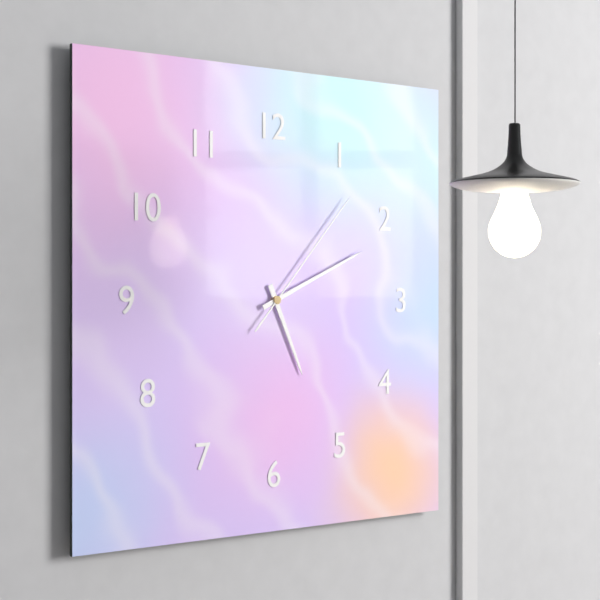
5:11:07
